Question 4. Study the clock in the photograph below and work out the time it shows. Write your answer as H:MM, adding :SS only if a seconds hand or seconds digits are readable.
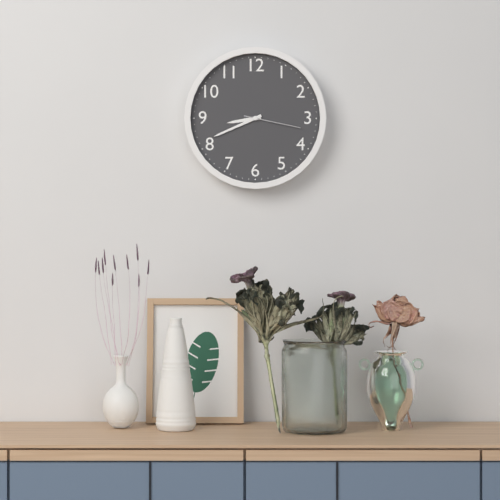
8:41:17
